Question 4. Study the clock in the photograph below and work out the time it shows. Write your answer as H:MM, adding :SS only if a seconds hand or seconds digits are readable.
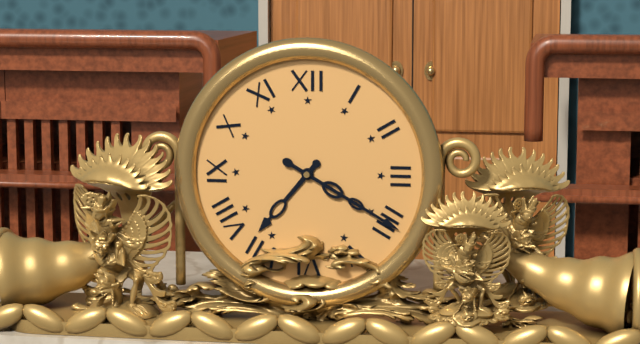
7:20
